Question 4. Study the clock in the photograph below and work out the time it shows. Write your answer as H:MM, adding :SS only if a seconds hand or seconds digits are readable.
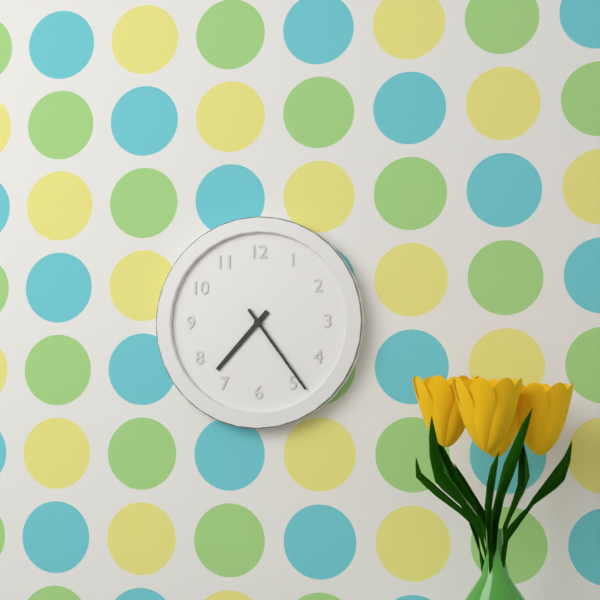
7:24
